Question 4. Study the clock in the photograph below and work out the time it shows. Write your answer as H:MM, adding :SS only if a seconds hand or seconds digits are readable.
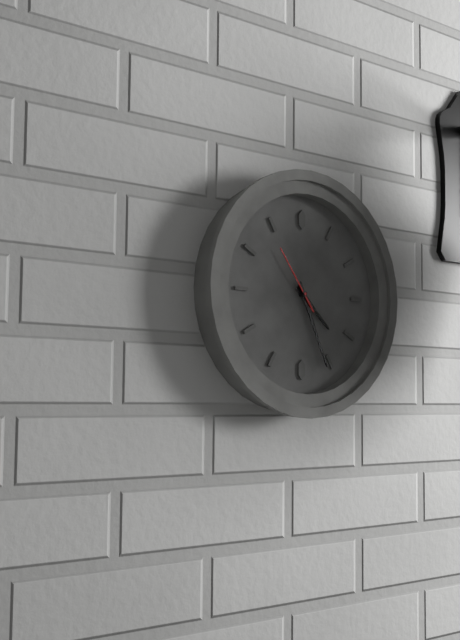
4:26:54
